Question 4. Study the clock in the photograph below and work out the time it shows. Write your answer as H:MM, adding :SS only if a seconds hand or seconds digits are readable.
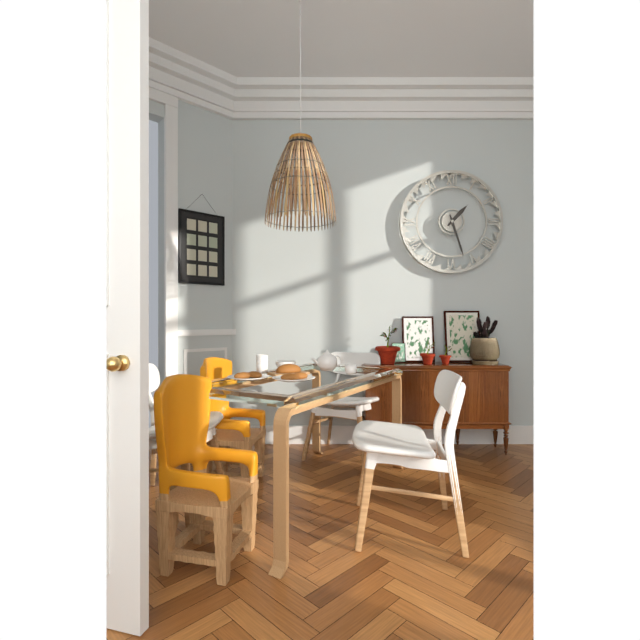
1:27
